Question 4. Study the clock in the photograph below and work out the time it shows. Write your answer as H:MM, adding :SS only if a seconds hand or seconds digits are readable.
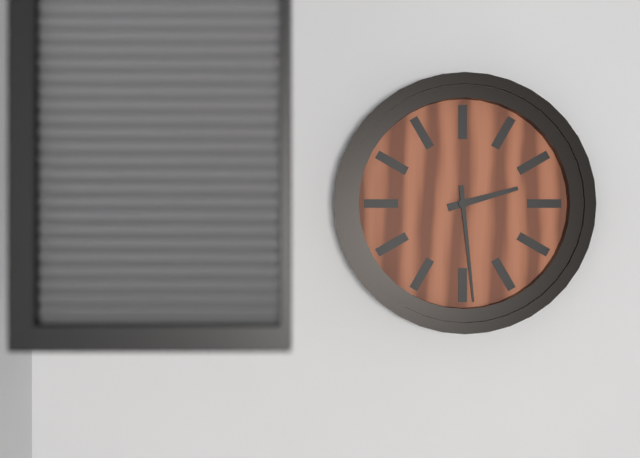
2:29
